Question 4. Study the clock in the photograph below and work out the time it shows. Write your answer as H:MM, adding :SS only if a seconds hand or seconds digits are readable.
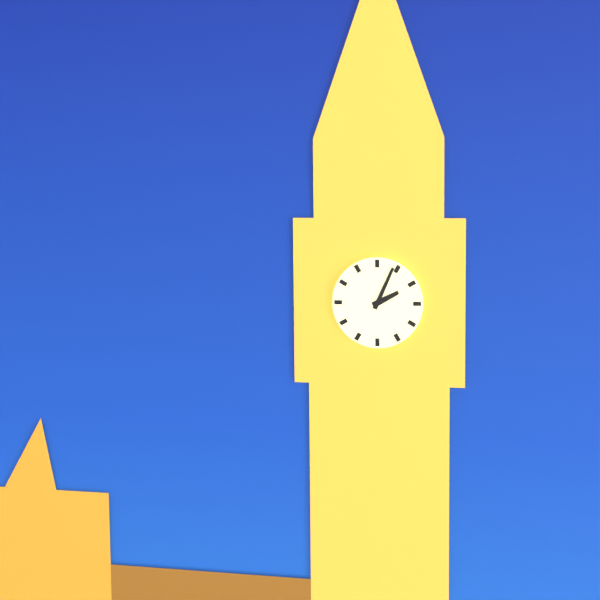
2:04
